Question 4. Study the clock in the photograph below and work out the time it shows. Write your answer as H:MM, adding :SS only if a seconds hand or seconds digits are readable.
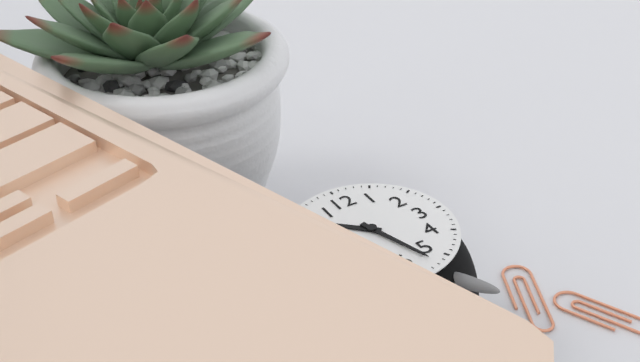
10:27
